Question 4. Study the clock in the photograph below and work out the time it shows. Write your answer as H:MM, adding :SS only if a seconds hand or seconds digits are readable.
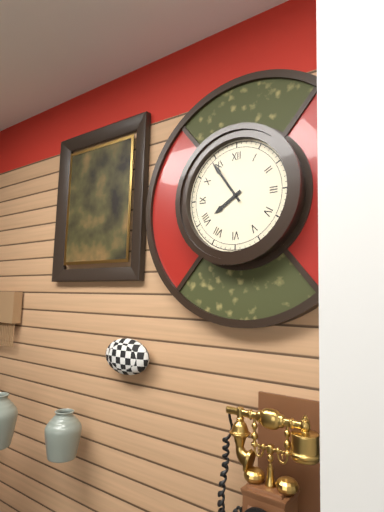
7:54
